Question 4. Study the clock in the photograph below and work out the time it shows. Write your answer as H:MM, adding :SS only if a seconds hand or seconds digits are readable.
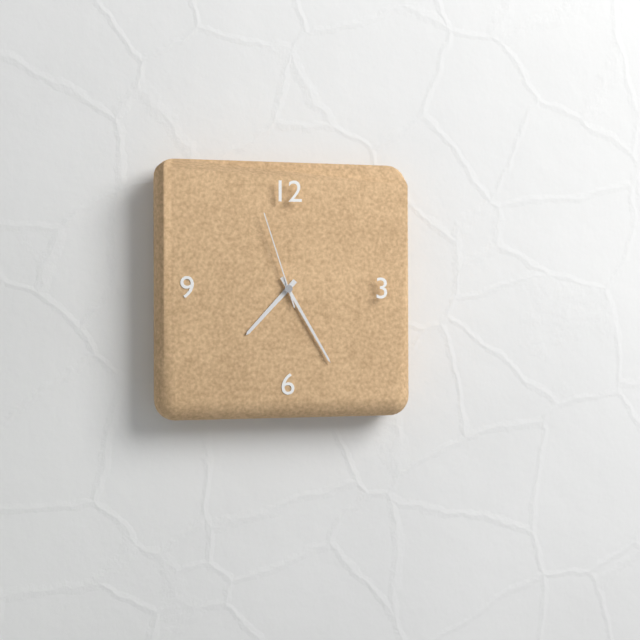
7:25:57
